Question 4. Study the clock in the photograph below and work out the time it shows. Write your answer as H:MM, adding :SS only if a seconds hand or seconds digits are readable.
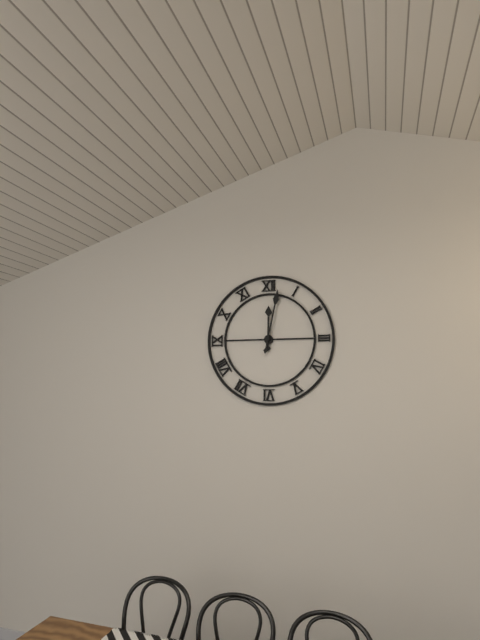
12:02
